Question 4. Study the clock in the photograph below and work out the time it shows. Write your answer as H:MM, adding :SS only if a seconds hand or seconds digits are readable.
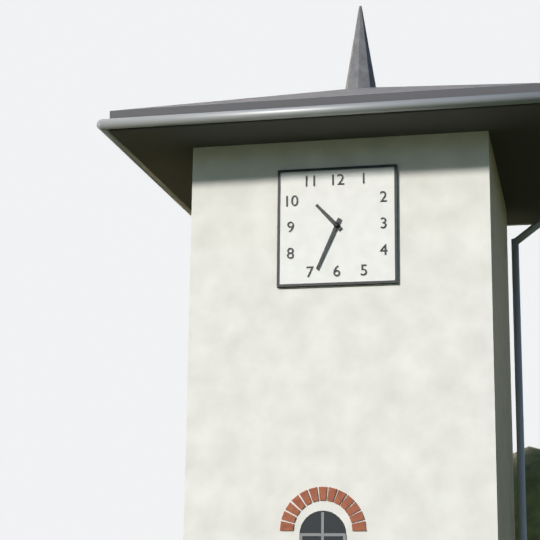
10:34
